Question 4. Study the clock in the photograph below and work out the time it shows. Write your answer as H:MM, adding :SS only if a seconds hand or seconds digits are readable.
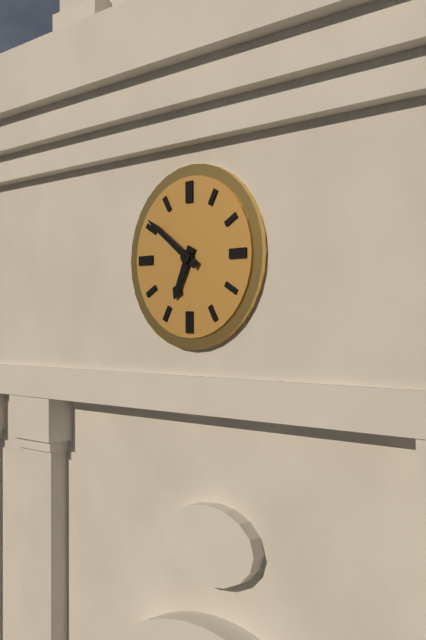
6:51
